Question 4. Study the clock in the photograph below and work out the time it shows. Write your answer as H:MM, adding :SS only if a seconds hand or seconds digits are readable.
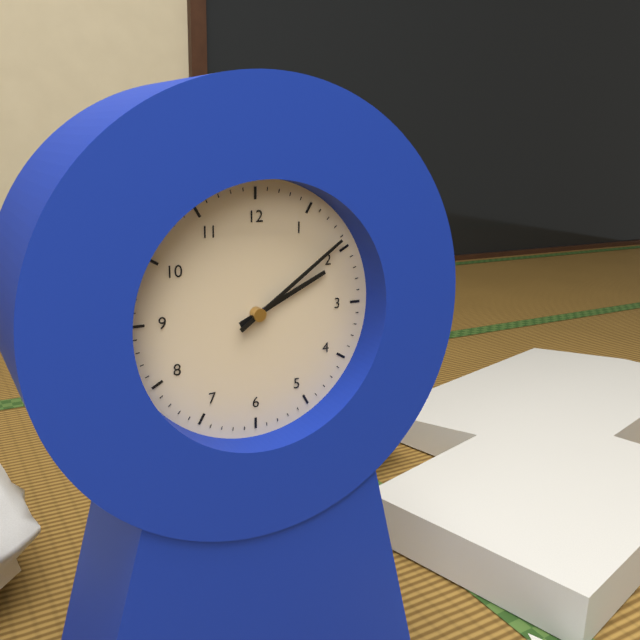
2:09
